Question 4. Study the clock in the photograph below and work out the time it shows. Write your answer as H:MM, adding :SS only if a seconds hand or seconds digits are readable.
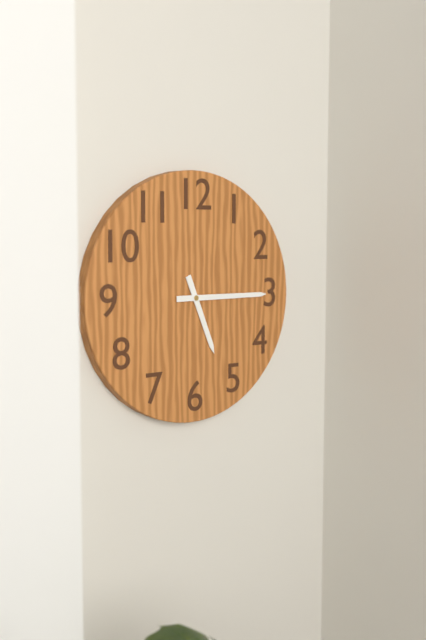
5:15
